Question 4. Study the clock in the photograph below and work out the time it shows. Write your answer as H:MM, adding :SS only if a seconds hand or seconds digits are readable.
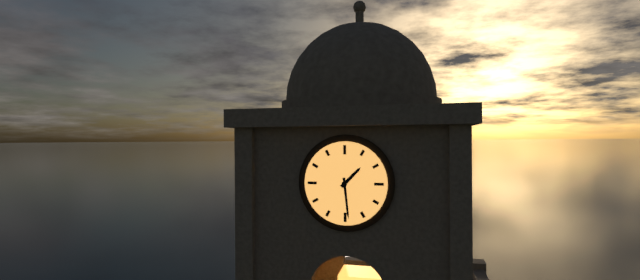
1:29
